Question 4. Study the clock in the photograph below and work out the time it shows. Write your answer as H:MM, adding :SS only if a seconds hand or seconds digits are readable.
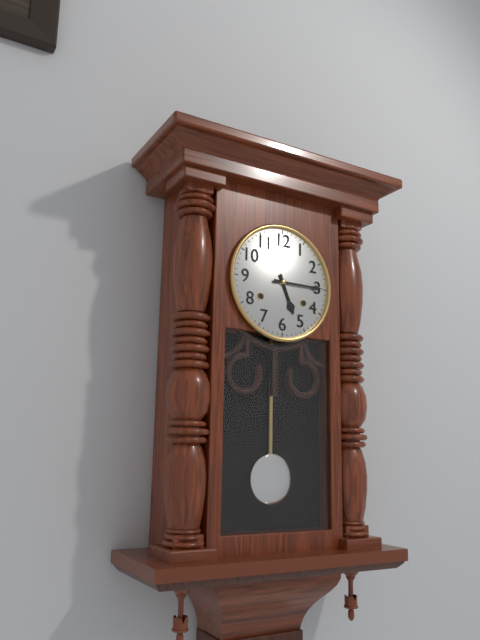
5:15
